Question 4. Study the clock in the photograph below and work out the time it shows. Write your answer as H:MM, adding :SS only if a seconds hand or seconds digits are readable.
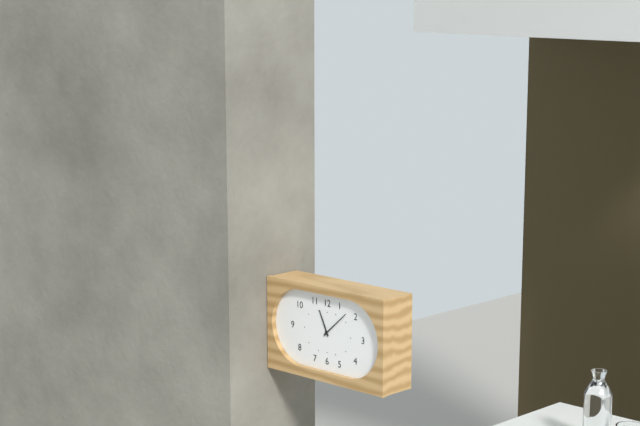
11:08
